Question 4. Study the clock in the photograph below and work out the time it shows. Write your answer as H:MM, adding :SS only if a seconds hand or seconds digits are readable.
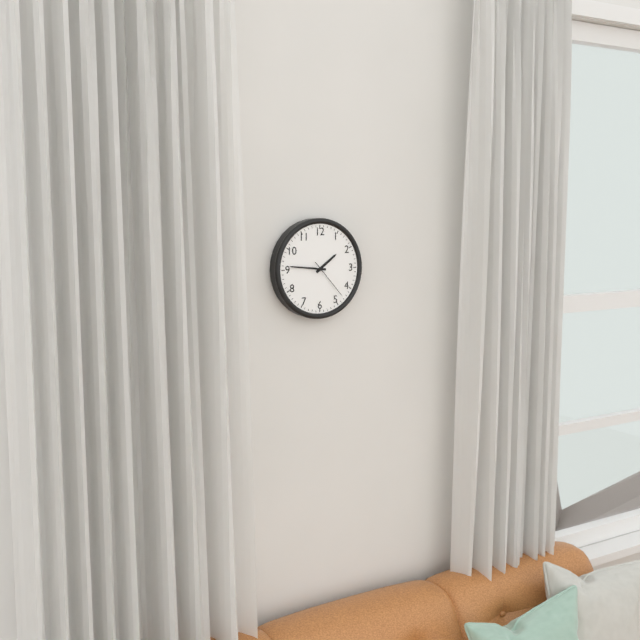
1:46
